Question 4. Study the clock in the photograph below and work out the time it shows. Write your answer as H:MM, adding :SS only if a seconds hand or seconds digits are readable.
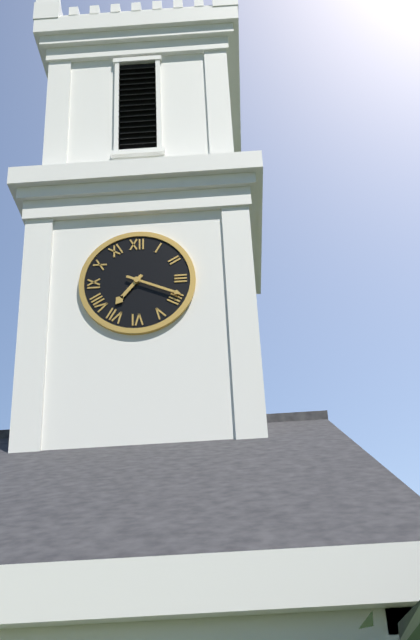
7:19
